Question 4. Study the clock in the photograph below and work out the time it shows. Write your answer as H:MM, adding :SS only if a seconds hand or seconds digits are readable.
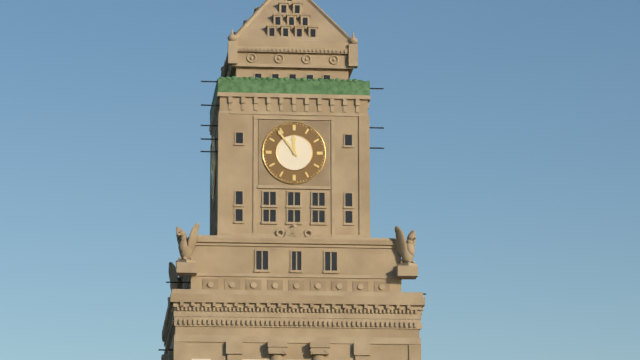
11:54
